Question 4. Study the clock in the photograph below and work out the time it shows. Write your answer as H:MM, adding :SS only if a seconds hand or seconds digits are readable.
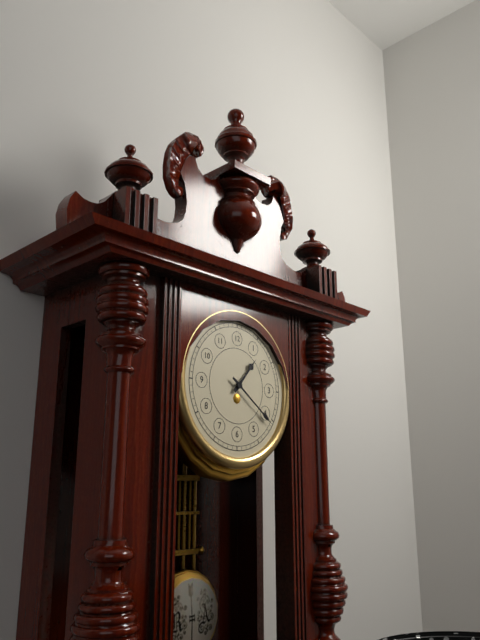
1:21
